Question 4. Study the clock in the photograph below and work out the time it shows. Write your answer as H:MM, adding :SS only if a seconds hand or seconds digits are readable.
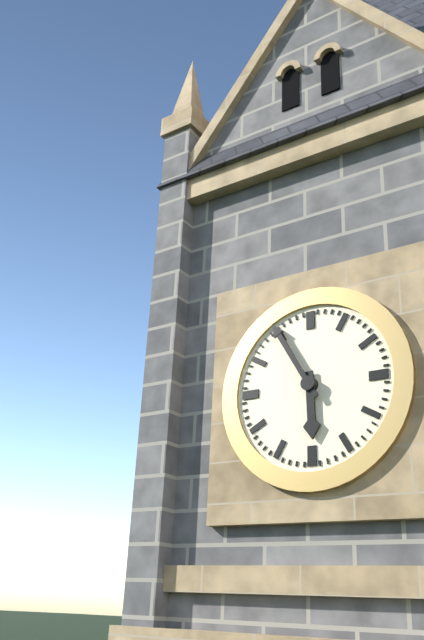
5:55
